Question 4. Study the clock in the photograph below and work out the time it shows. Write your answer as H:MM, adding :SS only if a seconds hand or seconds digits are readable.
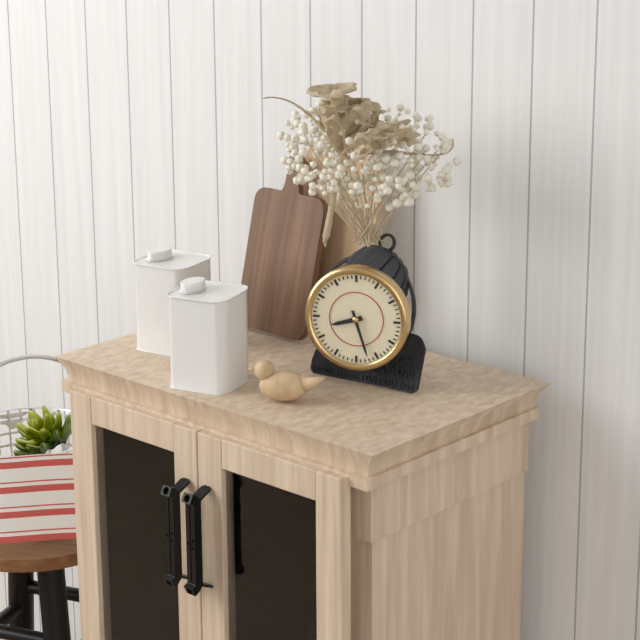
8:27
